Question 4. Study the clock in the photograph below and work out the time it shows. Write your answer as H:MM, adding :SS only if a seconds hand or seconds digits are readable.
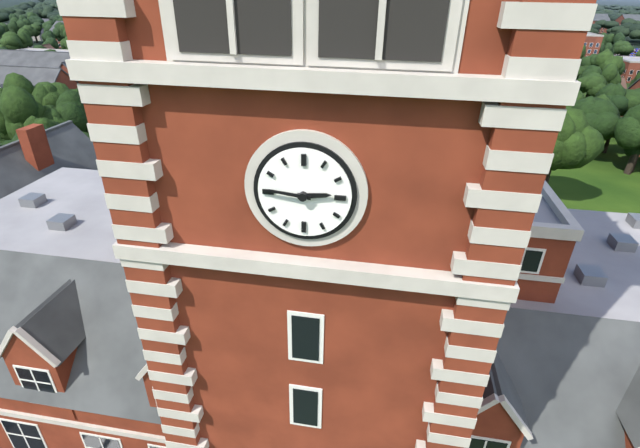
2:46
